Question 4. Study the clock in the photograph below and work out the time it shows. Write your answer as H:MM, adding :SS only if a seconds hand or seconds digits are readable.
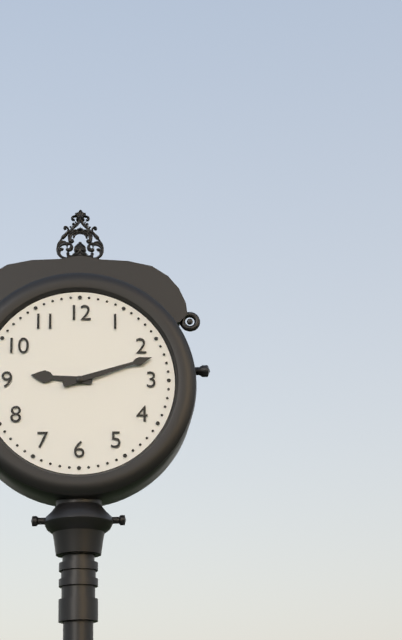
9:12
